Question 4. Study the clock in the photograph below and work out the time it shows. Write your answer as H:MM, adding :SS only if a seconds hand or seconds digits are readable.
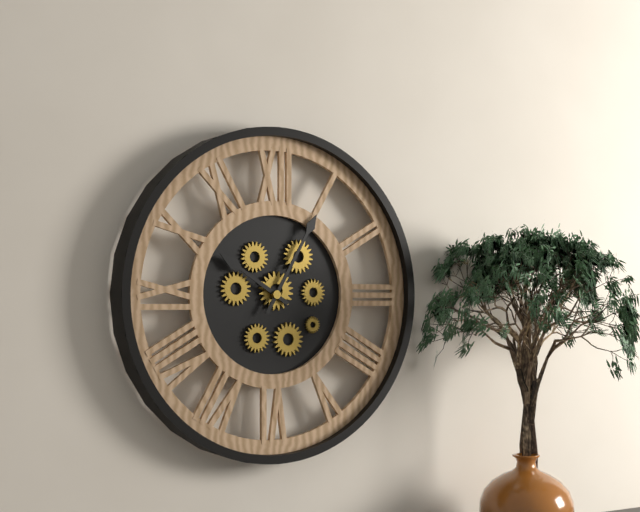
10:05
